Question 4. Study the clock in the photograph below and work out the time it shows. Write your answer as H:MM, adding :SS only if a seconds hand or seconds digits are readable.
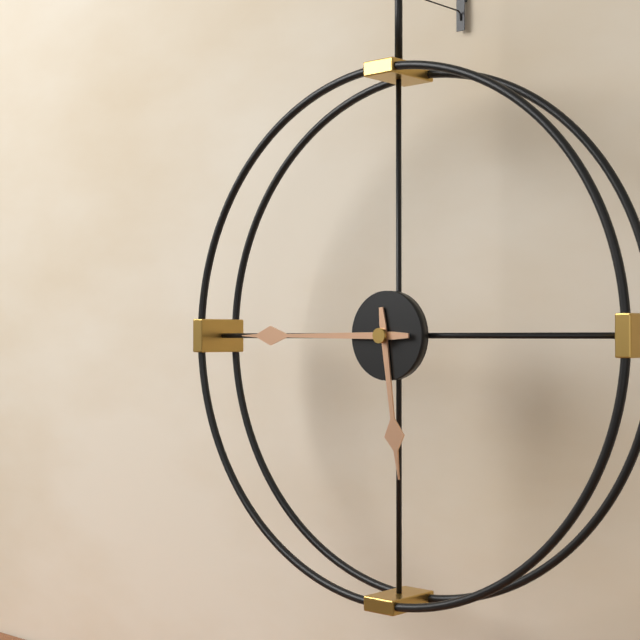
5:45
